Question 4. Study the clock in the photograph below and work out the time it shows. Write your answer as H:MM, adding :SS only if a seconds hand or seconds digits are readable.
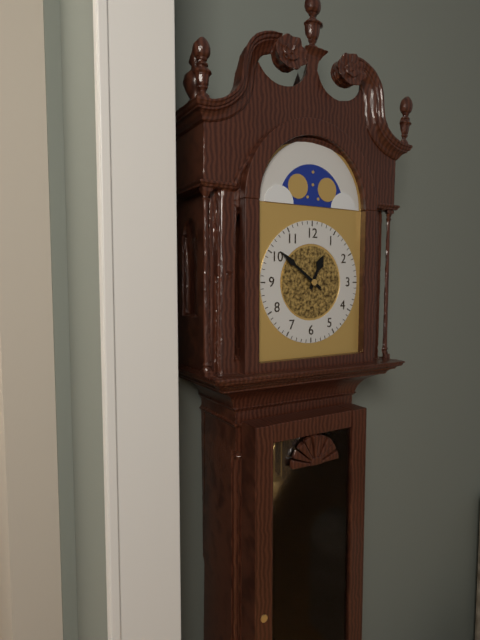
12:51
